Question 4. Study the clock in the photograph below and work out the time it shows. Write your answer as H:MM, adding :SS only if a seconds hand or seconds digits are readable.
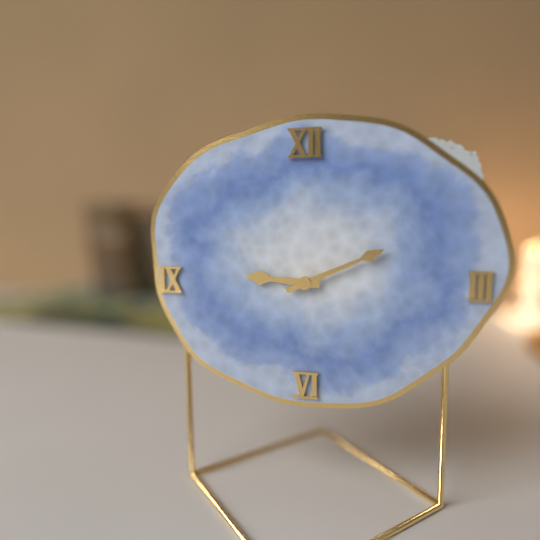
9:11
